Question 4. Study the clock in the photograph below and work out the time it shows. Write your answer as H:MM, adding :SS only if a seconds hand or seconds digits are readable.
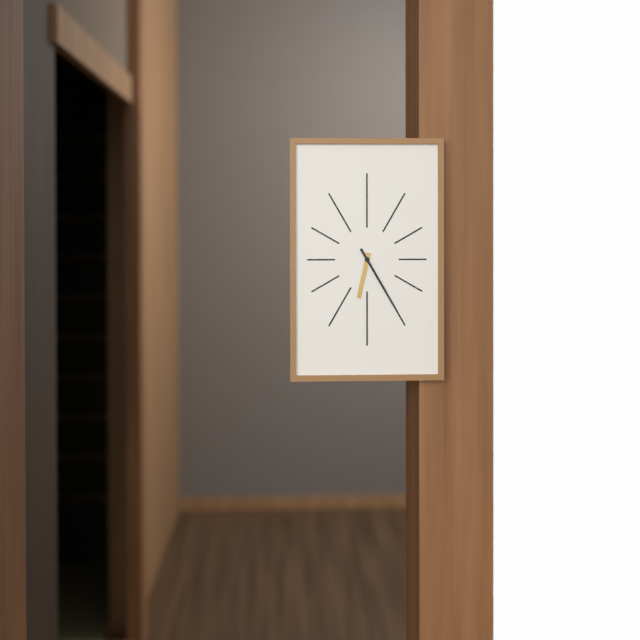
6:25
